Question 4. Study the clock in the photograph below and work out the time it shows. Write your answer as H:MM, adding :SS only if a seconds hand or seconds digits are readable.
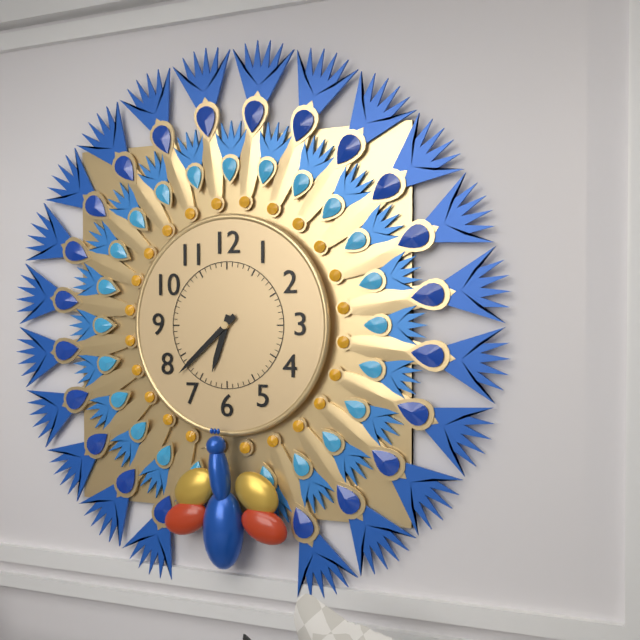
6:38
